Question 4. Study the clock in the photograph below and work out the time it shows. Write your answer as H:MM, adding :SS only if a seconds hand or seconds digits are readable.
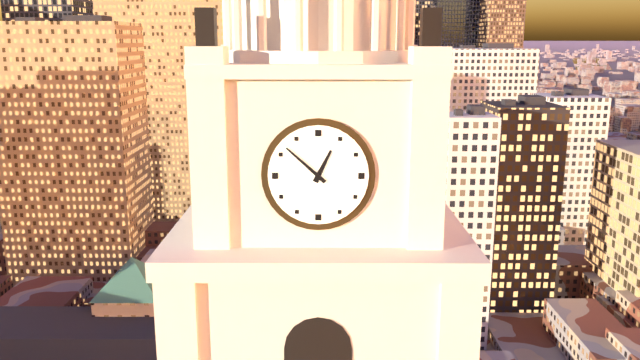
12:52
